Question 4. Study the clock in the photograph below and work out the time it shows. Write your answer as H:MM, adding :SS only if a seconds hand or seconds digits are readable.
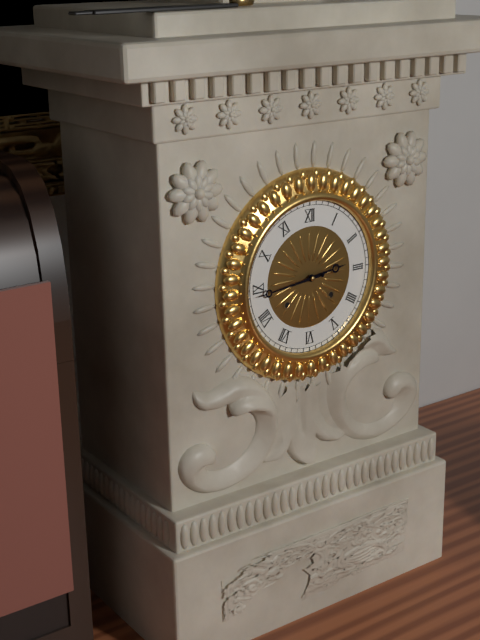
2:44
